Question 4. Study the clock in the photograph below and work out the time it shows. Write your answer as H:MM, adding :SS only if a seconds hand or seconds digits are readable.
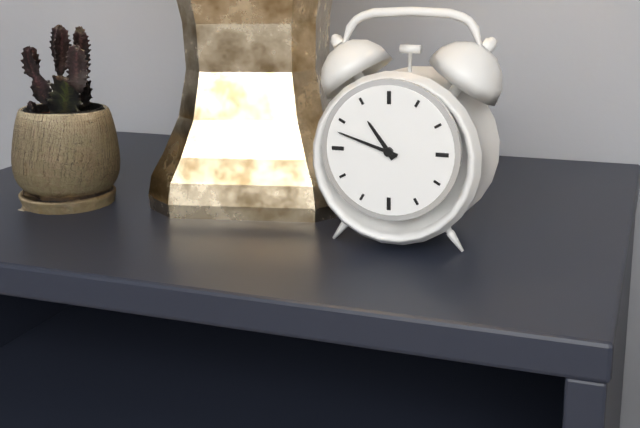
10:48
